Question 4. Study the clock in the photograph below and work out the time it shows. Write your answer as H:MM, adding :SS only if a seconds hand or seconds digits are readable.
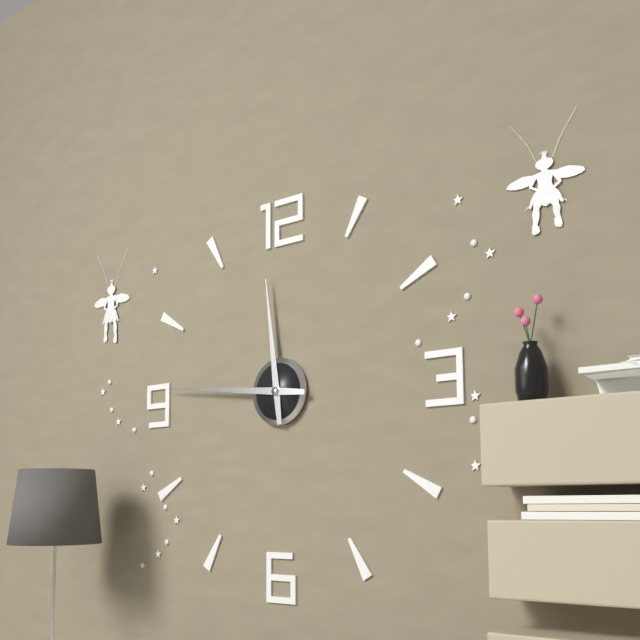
11:46
